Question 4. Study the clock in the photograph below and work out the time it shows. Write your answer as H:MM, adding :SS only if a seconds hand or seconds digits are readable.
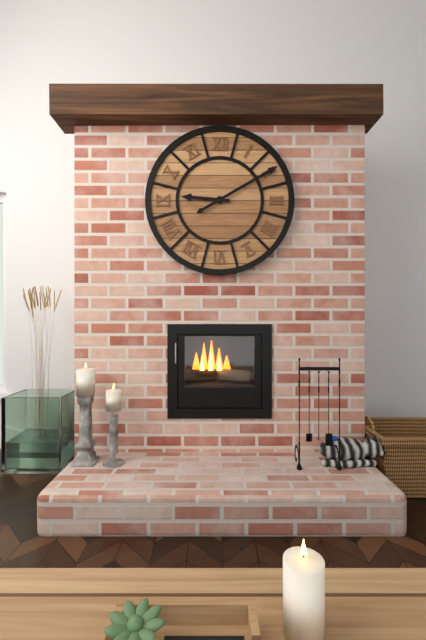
9:10
